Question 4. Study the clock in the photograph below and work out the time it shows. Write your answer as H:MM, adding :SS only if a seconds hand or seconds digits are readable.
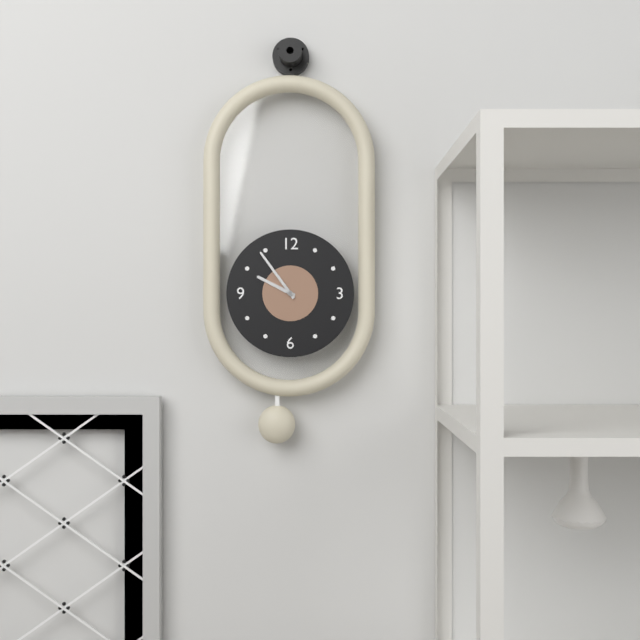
9:54
